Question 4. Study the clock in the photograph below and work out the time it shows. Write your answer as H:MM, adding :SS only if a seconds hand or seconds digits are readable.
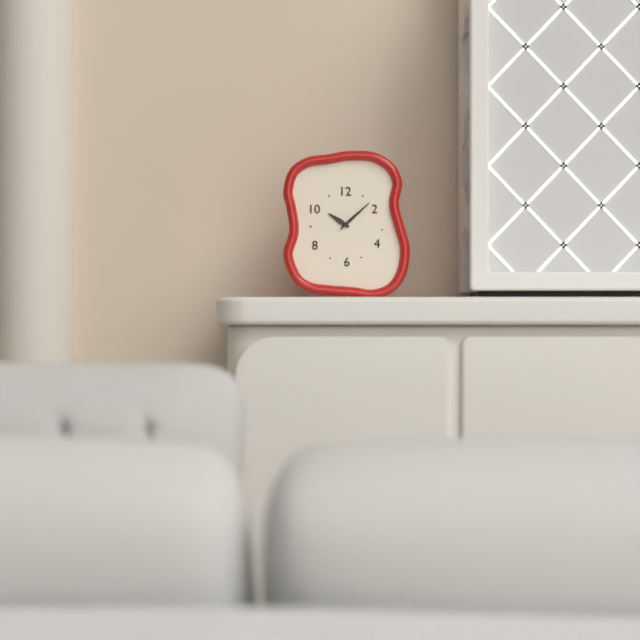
10:08
